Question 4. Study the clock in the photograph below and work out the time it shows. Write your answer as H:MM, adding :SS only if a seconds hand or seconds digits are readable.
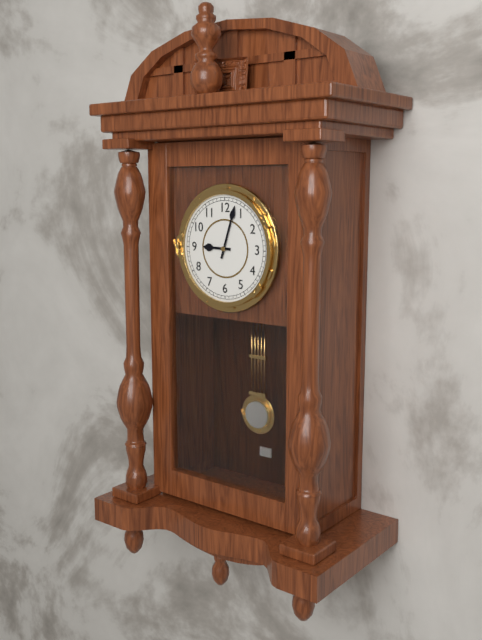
9:03
